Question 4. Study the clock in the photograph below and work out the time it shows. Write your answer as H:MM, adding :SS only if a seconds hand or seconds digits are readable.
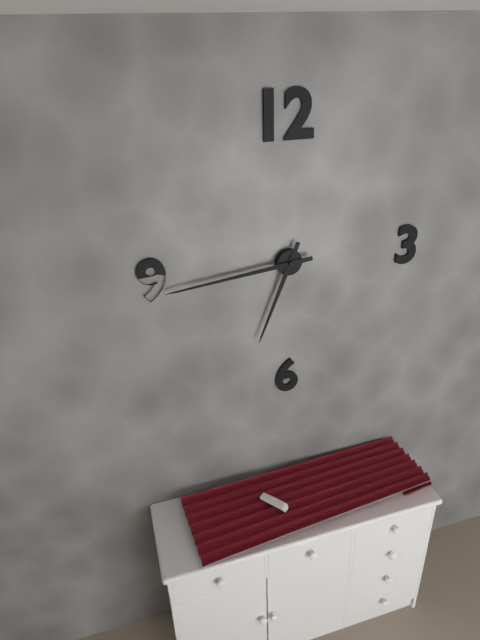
6:44
